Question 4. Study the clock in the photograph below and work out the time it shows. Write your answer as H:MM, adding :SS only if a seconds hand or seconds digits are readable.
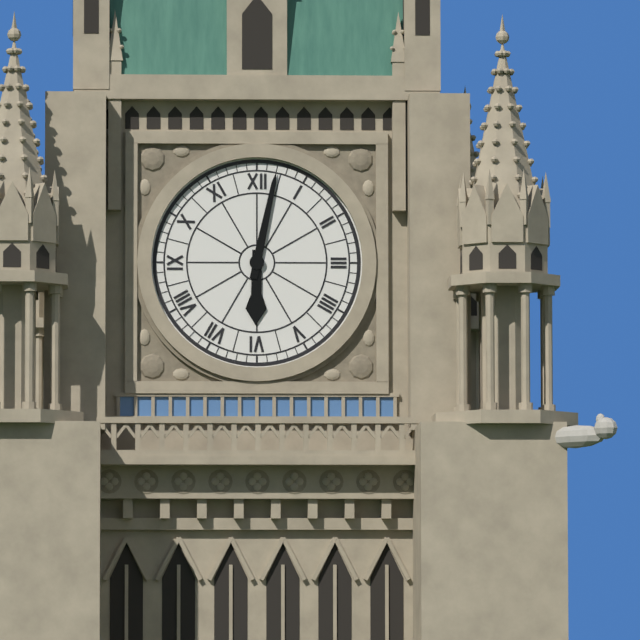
6:02
